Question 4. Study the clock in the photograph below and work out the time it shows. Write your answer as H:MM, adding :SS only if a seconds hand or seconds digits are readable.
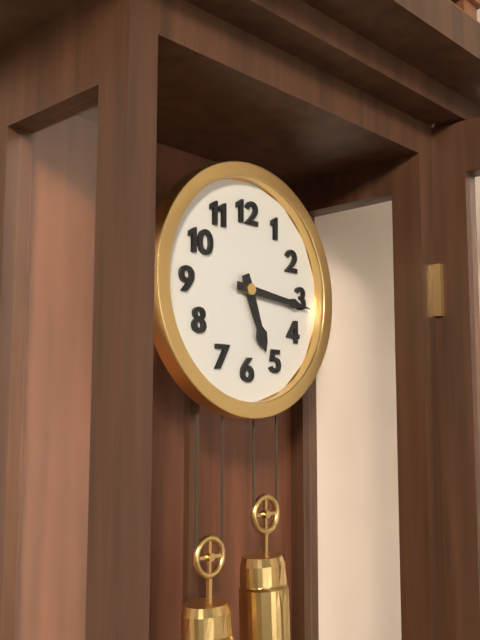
5:16
